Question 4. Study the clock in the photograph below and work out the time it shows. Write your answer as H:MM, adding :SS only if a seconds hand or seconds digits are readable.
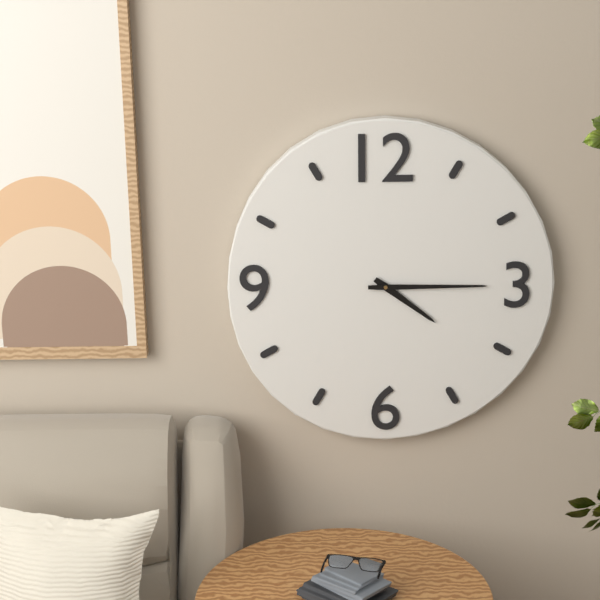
4:15
